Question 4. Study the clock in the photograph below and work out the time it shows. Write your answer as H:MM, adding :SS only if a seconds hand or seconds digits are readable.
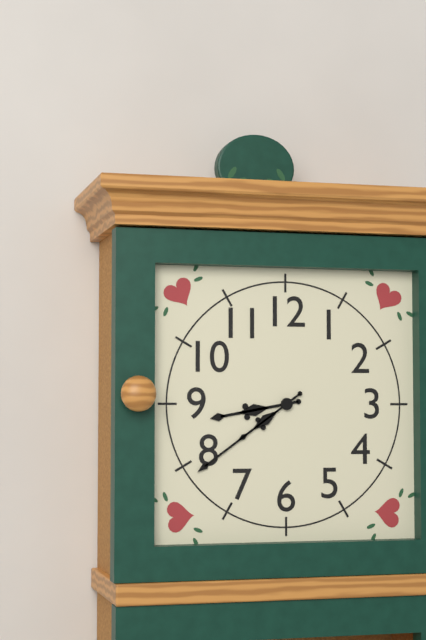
8:39
